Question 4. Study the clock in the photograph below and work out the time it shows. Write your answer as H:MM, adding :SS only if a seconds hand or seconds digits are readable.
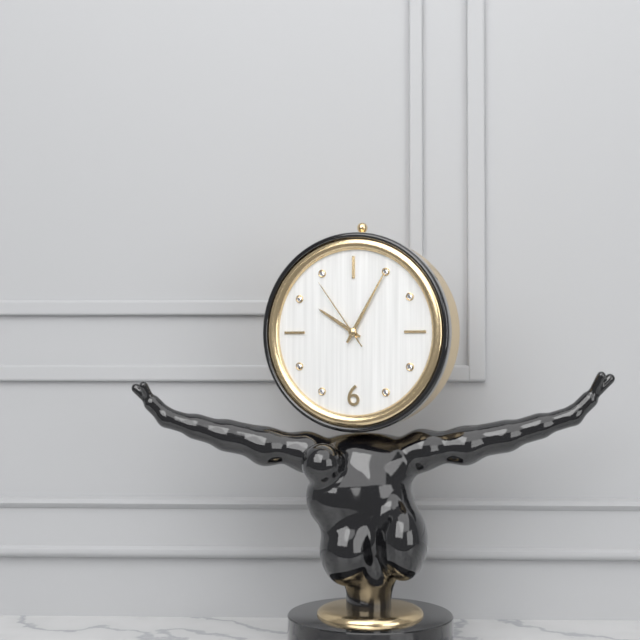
10:05:54
